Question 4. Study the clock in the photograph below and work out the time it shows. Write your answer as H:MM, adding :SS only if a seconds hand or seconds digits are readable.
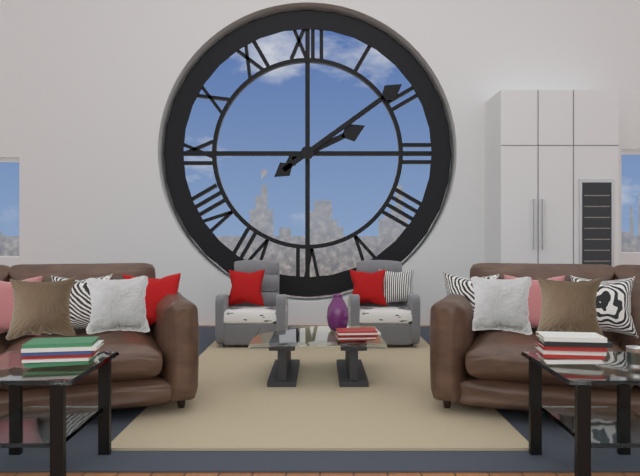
2:09
